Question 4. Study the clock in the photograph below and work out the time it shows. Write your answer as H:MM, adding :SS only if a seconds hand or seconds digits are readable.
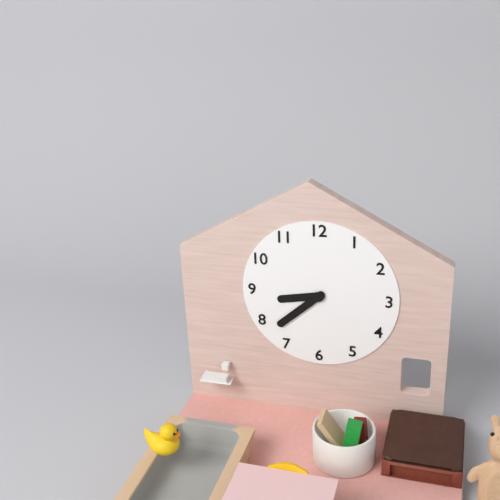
8:38
